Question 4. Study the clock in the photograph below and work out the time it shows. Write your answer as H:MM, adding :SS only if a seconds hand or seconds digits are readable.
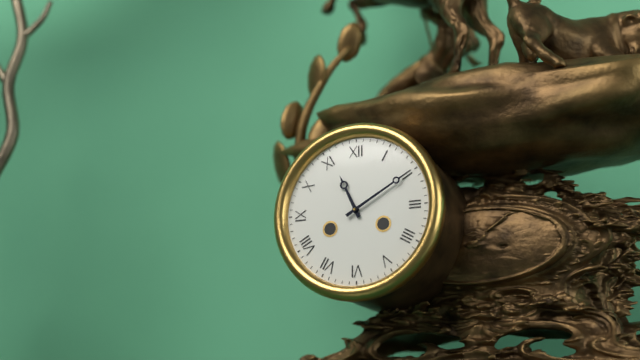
11:10
